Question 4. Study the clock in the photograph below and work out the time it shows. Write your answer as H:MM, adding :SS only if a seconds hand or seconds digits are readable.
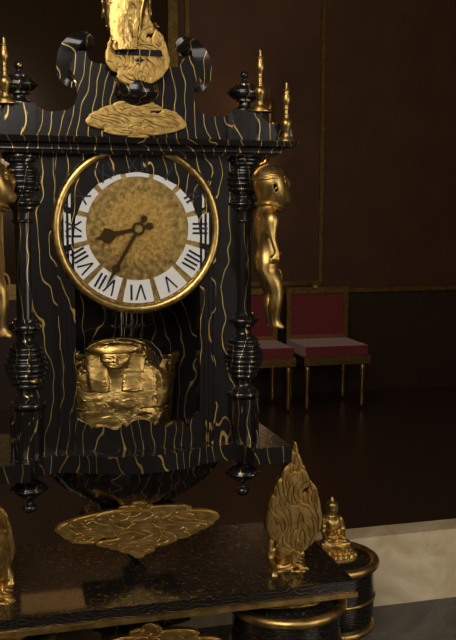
8:35
